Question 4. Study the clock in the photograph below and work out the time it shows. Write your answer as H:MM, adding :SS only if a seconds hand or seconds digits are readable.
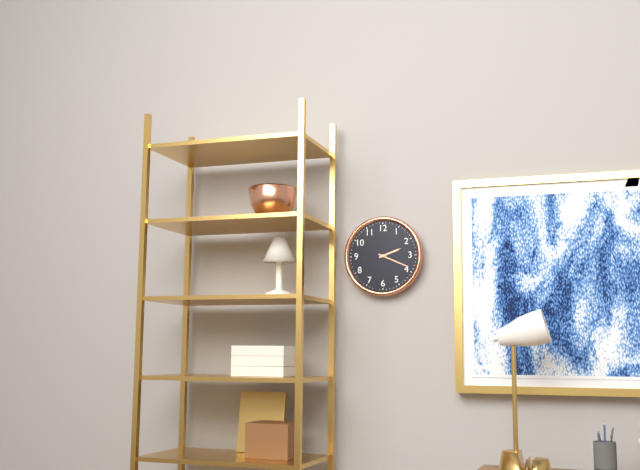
2:19
